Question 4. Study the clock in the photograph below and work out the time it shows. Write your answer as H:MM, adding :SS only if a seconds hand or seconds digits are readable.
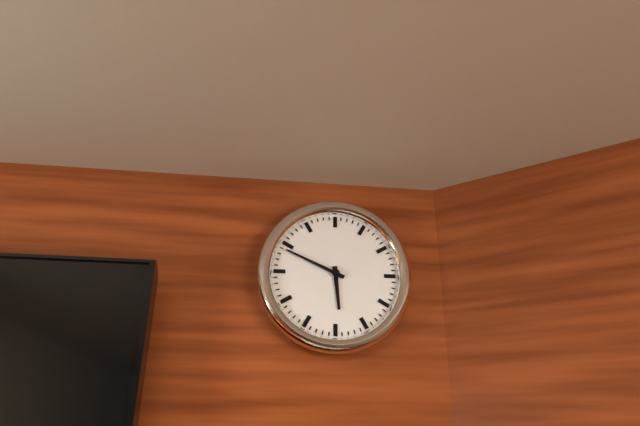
5:49
